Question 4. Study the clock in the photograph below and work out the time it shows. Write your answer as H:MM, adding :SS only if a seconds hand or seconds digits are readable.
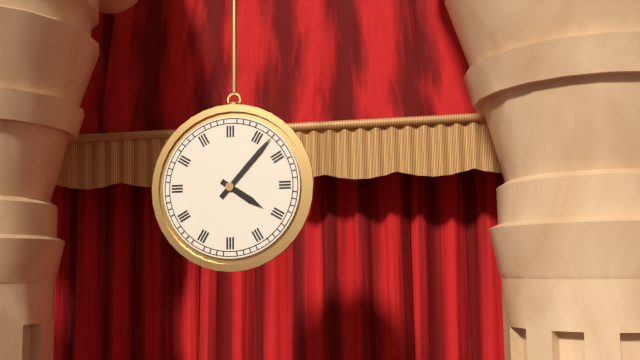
4:07
